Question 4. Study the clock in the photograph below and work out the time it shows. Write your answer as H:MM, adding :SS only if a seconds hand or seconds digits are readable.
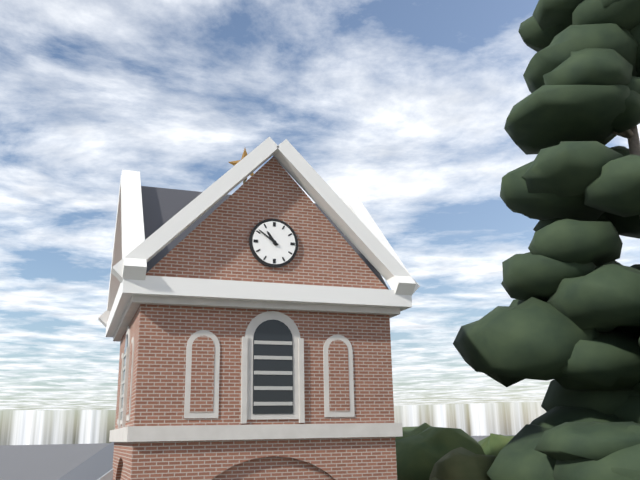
10:51
